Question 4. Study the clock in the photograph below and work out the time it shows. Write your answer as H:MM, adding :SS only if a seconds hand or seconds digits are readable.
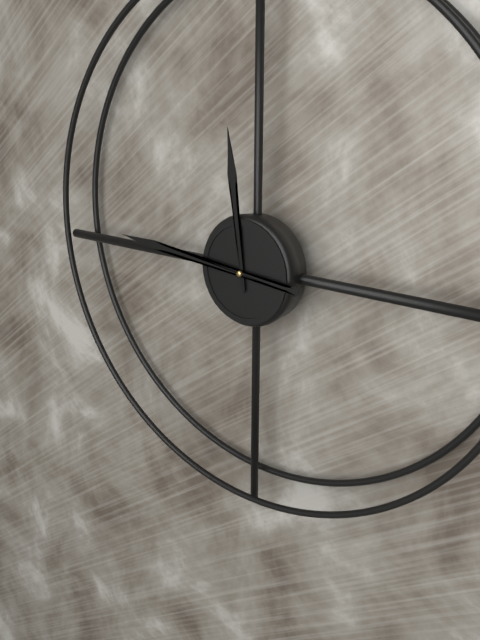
11:46
